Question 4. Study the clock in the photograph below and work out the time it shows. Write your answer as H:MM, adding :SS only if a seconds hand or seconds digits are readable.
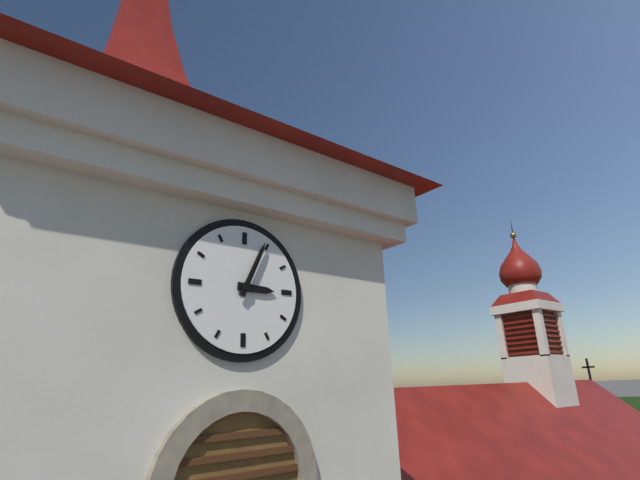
3:04
